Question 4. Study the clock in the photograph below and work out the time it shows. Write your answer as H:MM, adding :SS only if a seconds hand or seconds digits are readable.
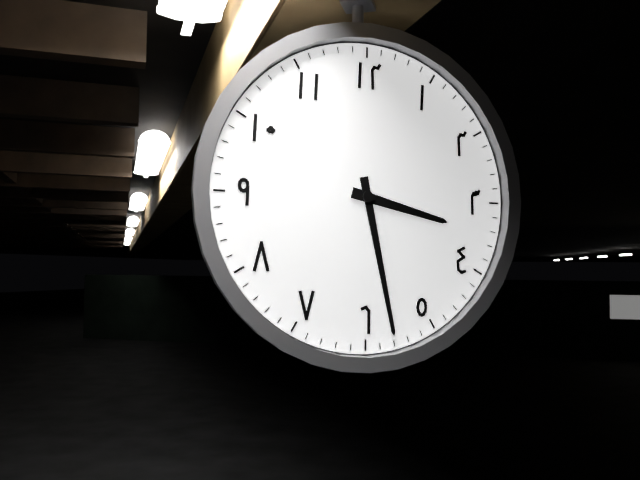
3:28
